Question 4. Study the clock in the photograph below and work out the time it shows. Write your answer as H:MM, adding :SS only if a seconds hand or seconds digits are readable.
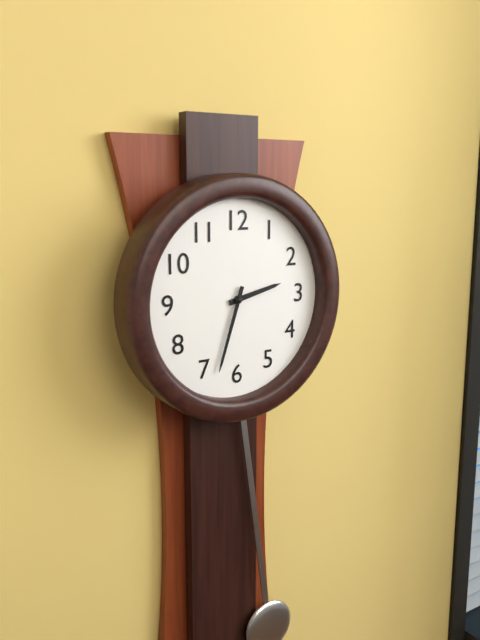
2:33
